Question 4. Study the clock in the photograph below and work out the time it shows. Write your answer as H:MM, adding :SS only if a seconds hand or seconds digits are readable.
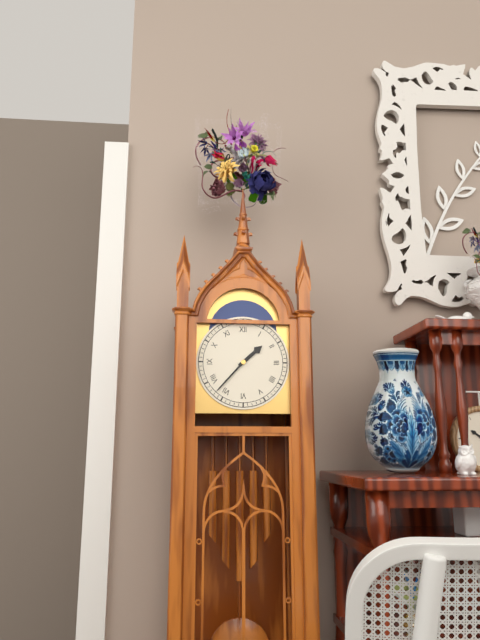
1:37
